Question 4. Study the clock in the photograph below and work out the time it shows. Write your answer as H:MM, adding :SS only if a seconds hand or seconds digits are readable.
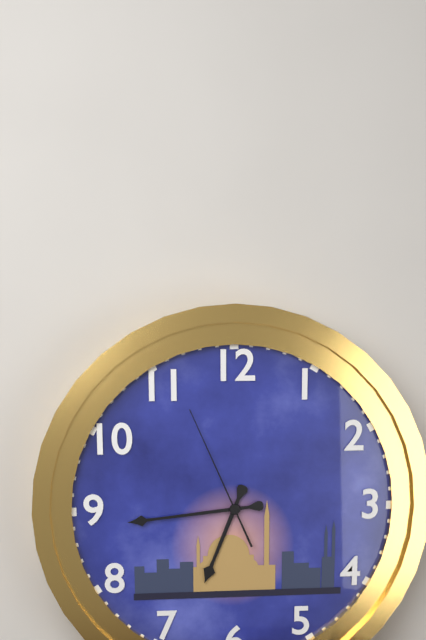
6:44:56
